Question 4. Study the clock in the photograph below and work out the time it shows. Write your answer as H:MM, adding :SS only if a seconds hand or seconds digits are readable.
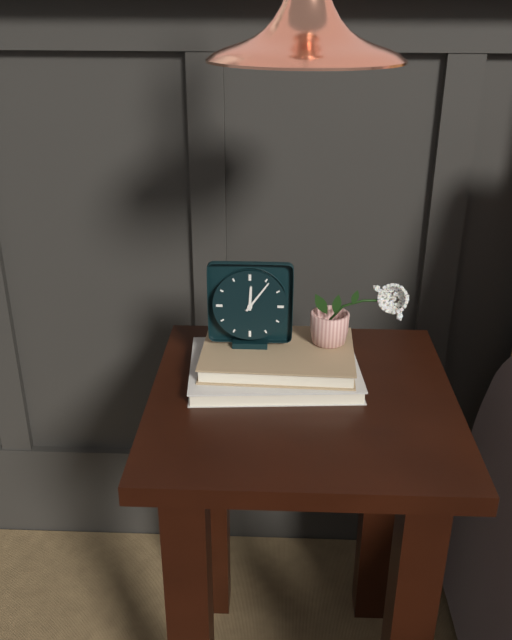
12:06
